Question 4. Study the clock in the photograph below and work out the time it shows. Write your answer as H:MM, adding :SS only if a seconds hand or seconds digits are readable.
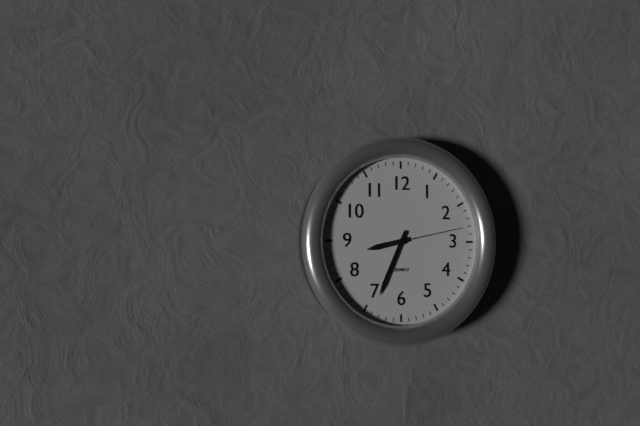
8:34:13
